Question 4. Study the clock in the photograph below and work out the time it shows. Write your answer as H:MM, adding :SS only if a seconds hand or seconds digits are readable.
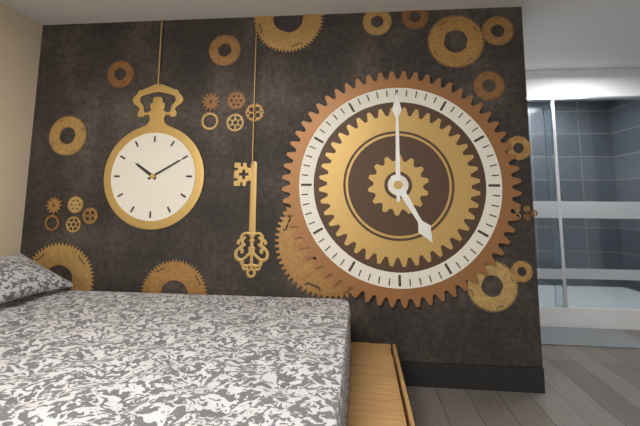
5:00
